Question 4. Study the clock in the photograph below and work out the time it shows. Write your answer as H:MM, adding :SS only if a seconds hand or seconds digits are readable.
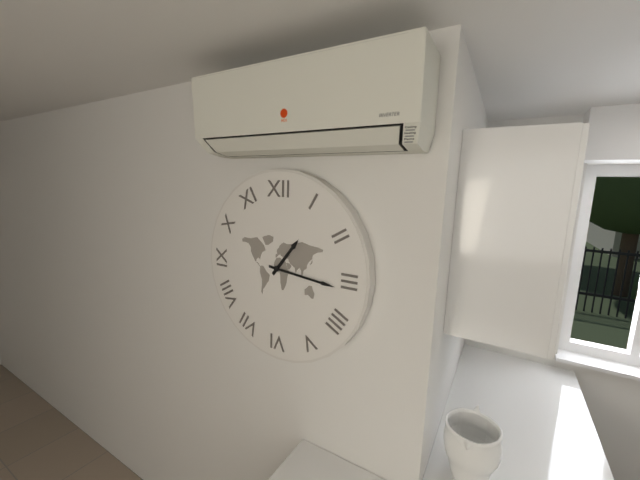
1:16
